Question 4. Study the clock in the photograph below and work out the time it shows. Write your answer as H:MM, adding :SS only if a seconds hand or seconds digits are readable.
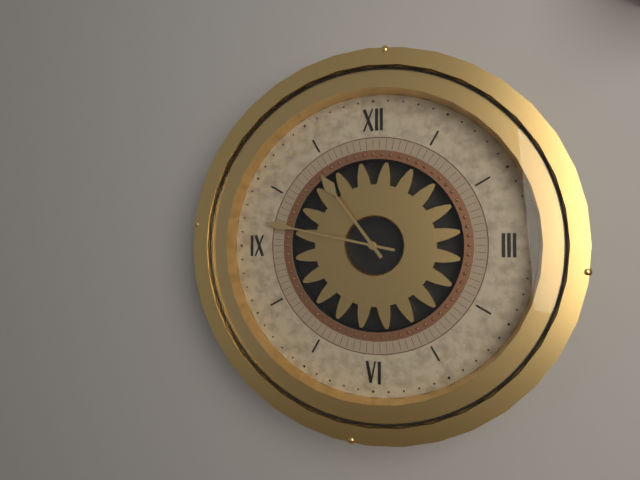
10:47
